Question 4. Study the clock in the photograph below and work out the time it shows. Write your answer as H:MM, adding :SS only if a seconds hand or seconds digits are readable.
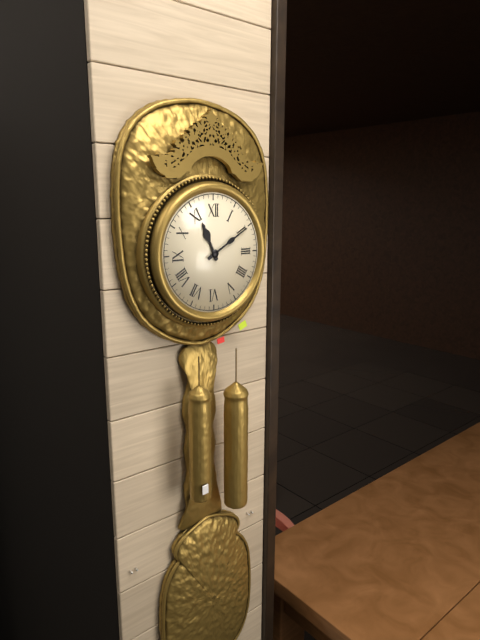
11:10
